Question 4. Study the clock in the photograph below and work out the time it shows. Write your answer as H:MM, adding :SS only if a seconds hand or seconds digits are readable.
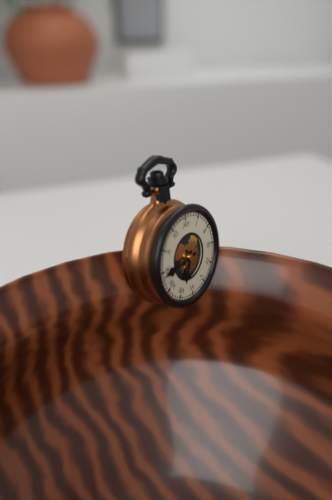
6:44
